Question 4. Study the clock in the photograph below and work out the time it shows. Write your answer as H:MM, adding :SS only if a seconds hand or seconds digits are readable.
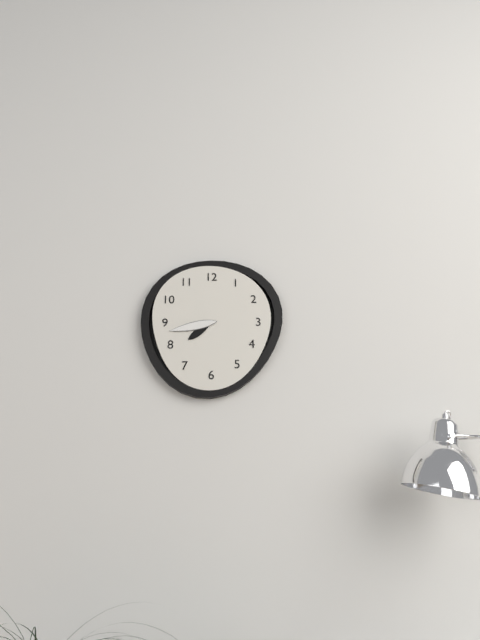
7:43
